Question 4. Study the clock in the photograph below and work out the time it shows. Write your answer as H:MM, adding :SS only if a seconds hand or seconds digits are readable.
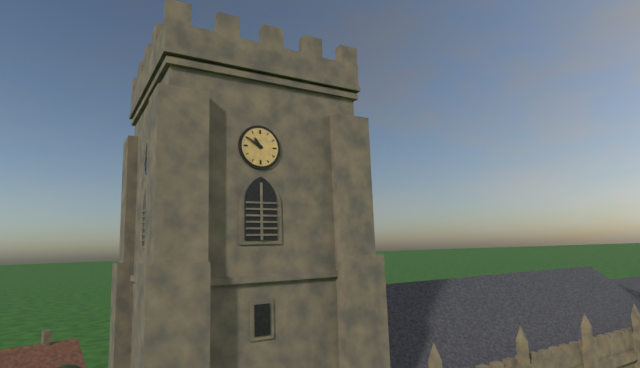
10:50
